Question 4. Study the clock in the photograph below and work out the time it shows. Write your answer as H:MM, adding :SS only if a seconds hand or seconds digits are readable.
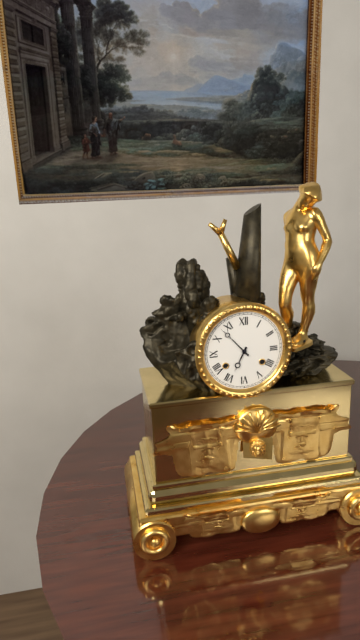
6:53
